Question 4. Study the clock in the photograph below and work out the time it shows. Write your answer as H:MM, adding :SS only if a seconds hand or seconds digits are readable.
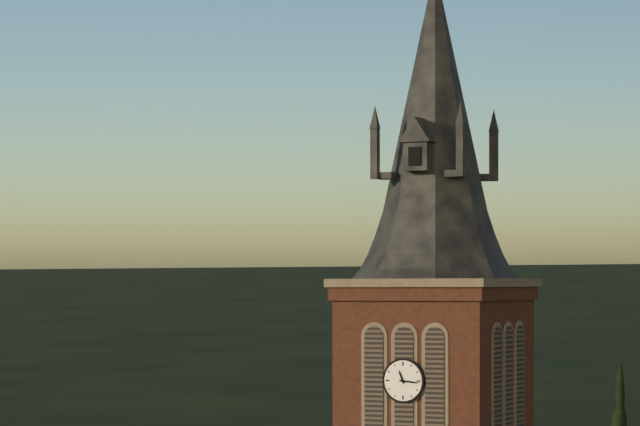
11:16
